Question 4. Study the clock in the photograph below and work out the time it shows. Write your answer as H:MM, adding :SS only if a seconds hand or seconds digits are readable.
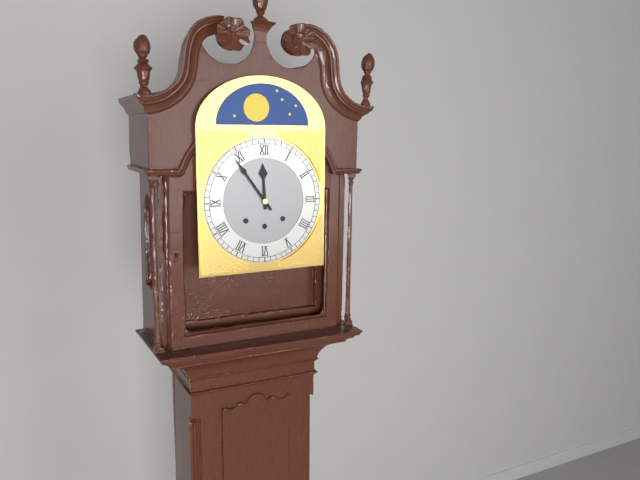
11:54
